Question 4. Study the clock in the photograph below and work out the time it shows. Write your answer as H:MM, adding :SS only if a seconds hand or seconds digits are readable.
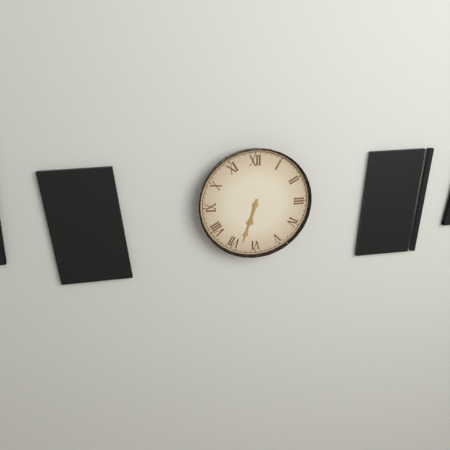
6:33
